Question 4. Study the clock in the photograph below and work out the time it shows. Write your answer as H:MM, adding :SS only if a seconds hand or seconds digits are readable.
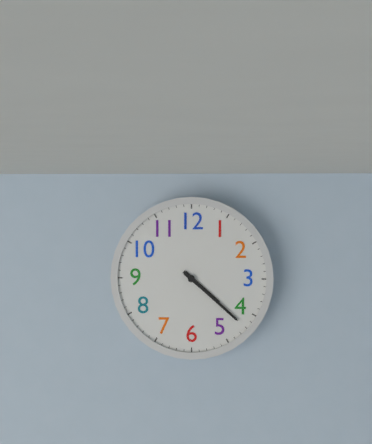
4:22
